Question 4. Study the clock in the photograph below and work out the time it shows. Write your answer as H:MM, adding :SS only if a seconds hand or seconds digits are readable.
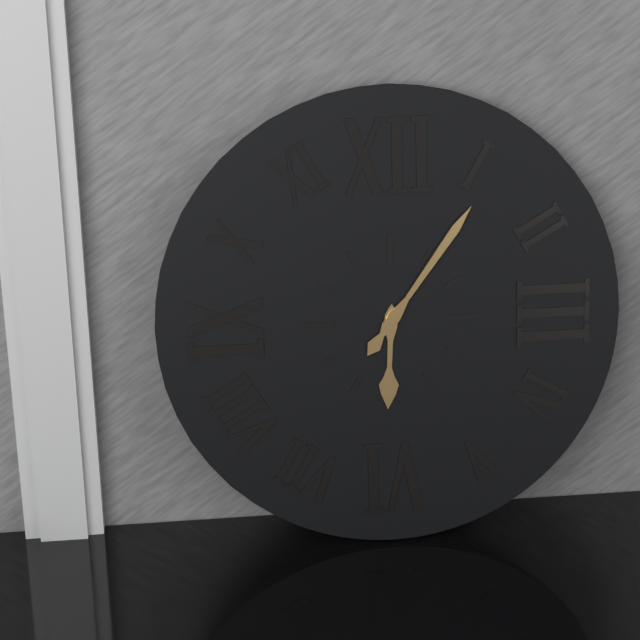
6:06
